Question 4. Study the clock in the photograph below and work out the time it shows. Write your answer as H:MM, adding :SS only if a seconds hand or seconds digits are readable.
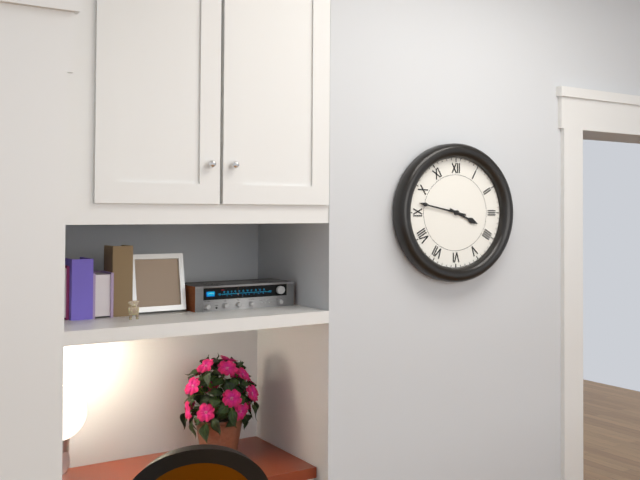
3:47
